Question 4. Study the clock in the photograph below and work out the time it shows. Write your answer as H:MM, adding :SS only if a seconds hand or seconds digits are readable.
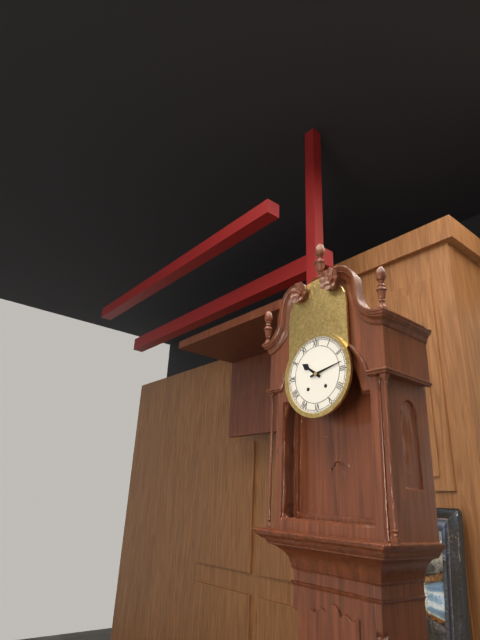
10:13
